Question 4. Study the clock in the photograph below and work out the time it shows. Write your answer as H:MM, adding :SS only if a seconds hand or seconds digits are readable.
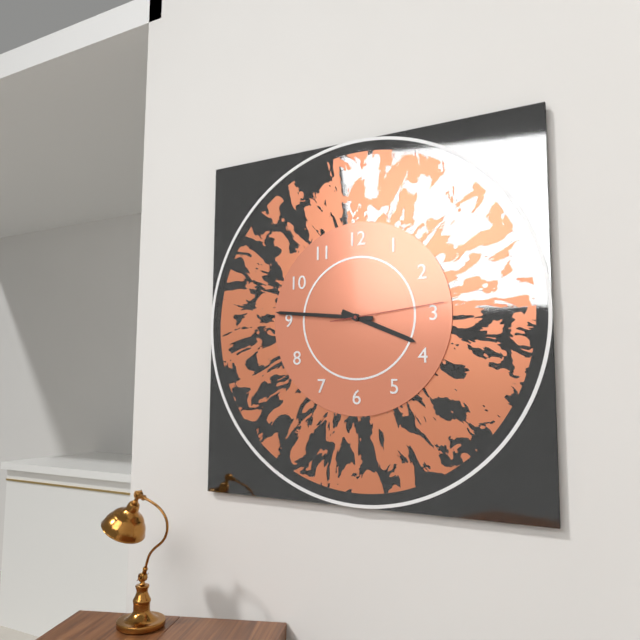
3:46:14
